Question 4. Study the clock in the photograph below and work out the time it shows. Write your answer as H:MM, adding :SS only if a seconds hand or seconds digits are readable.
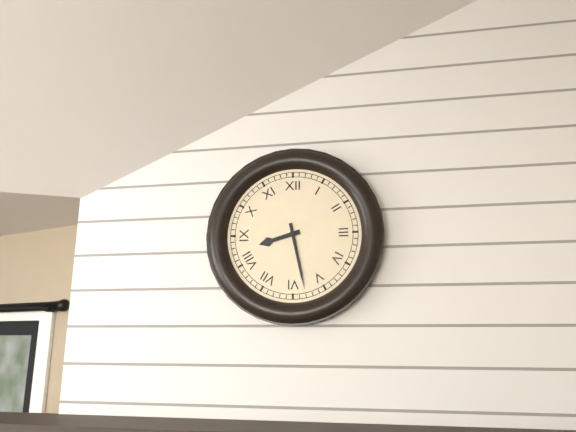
8:28
